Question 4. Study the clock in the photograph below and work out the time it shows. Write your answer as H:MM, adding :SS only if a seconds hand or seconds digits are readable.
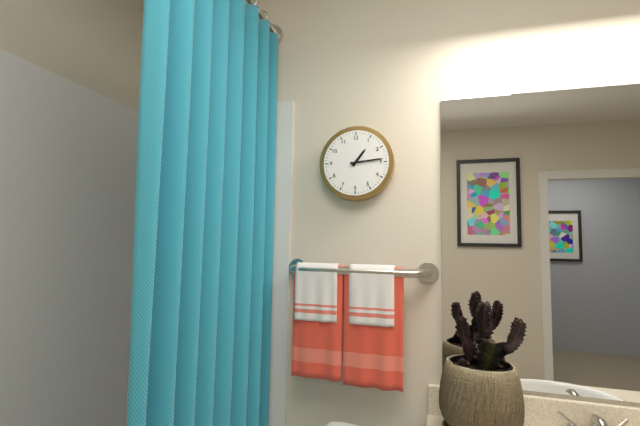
1:14
